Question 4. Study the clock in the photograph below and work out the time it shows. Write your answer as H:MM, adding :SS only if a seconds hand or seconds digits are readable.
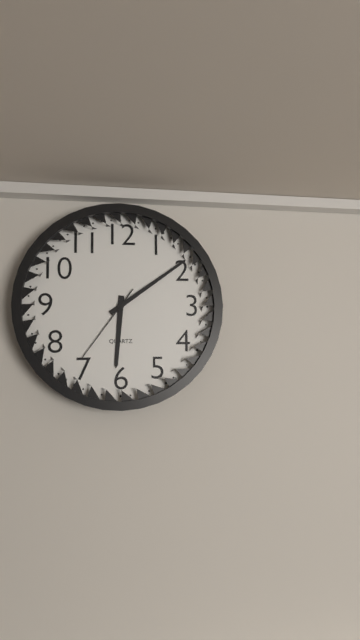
6:09:36
